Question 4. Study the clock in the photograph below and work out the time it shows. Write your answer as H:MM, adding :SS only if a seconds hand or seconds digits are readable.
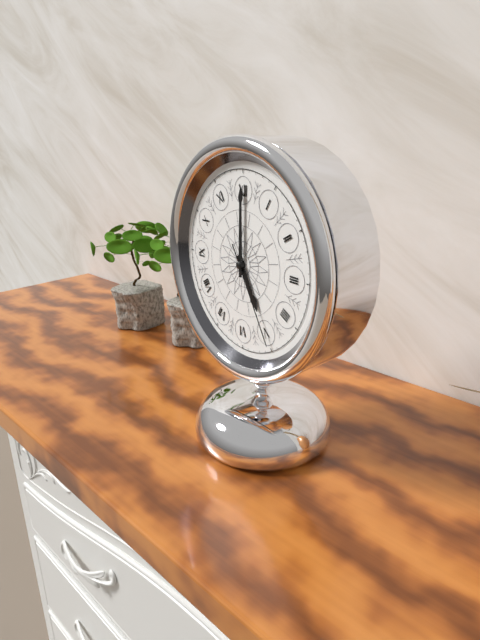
5:00:25
